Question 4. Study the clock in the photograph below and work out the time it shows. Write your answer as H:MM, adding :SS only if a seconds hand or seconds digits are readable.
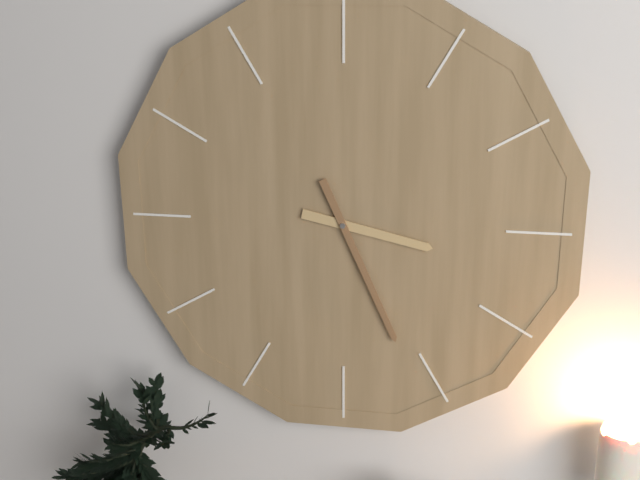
3:26
